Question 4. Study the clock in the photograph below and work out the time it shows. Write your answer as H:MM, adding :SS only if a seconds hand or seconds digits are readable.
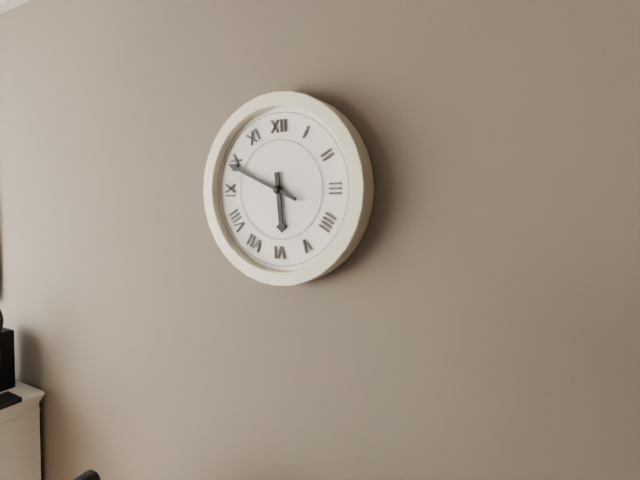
5:49
